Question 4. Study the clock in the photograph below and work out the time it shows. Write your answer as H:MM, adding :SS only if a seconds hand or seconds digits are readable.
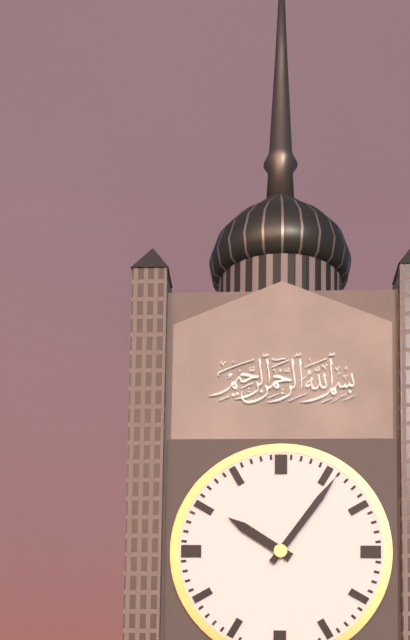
10:06
